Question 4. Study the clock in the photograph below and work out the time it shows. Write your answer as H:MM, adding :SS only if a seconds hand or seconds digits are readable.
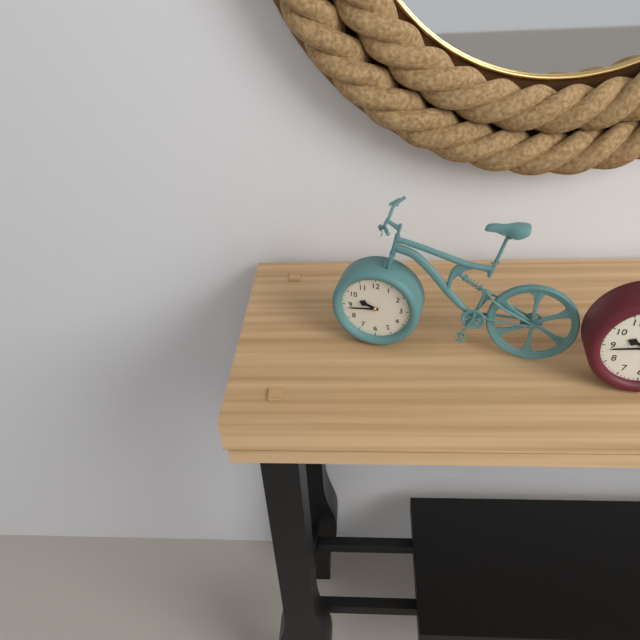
9:44
